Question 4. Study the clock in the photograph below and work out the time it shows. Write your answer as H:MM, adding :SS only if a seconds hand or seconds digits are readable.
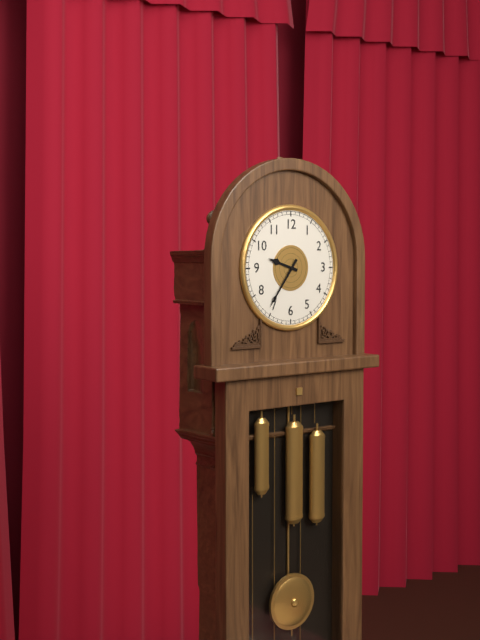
9:36
